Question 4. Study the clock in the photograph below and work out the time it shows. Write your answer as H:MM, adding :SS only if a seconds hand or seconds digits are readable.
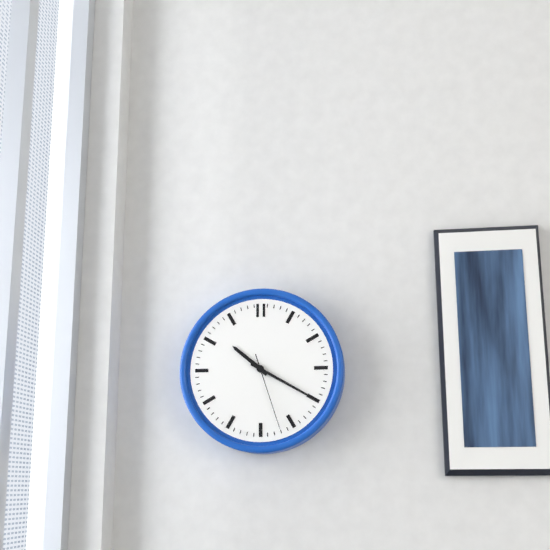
10:20:27
